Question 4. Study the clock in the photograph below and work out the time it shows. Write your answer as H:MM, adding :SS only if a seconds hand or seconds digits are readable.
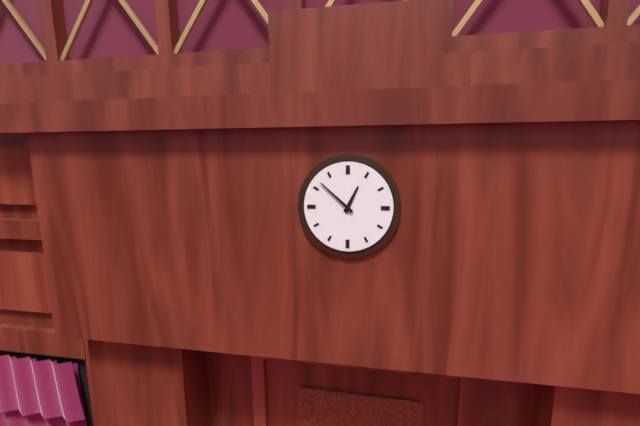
12:52
